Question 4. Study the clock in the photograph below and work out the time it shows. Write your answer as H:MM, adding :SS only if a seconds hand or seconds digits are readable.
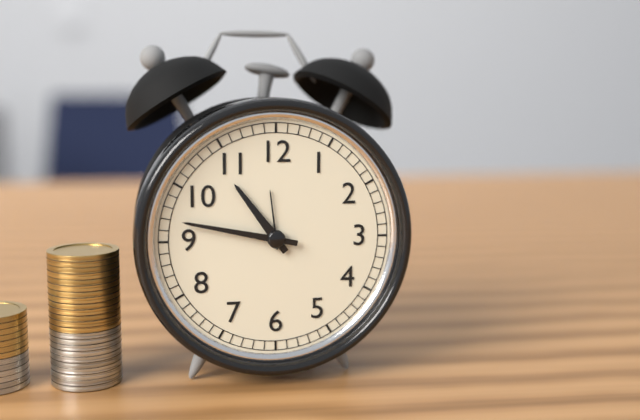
10:47
